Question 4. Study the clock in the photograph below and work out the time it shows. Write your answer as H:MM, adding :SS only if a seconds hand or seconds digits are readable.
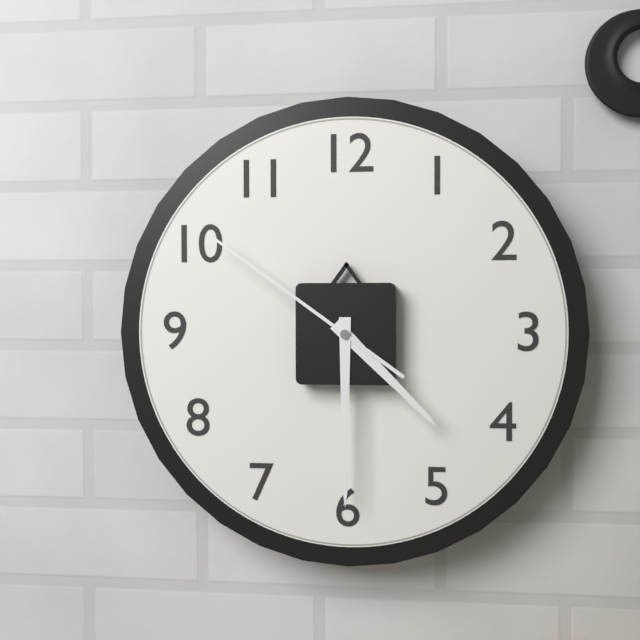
4:30:51
